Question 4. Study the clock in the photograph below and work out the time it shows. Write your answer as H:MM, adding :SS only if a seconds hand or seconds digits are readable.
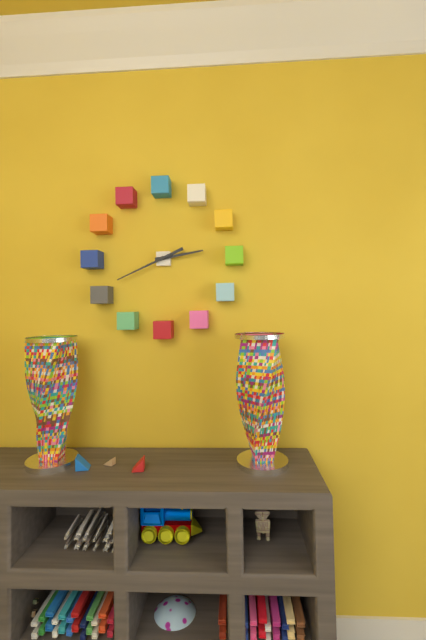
2:41
